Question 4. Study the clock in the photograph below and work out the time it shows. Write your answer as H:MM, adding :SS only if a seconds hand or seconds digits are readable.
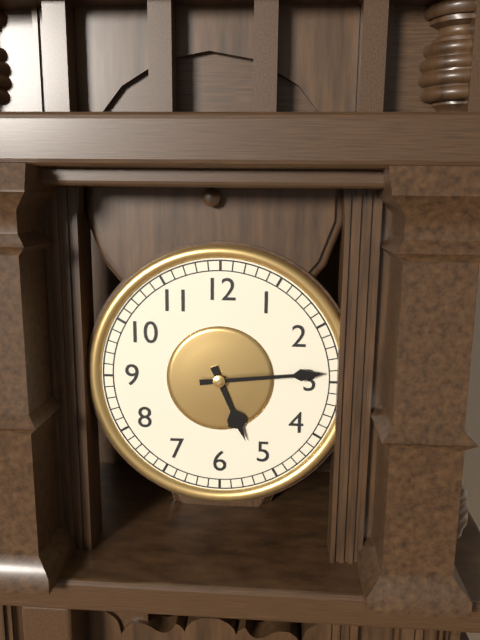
5:14
